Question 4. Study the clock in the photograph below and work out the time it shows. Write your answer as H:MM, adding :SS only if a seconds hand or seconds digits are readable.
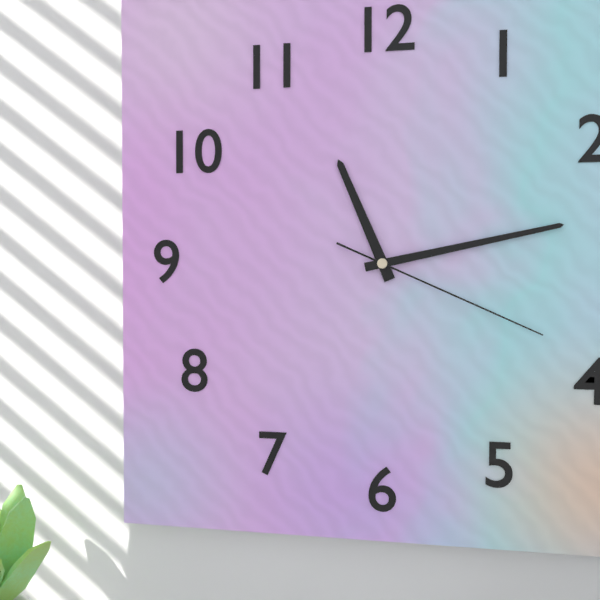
11:13:19
